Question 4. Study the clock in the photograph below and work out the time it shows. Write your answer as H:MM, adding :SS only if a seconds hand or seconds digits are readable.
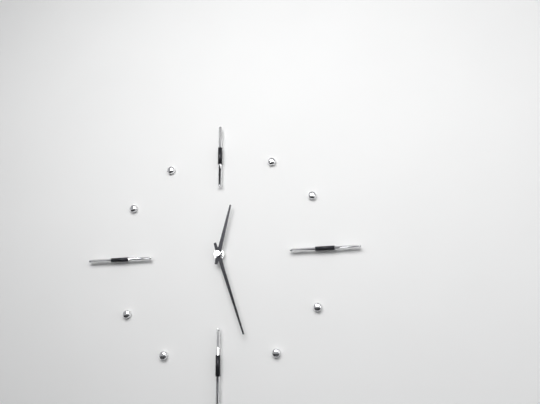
12:27
